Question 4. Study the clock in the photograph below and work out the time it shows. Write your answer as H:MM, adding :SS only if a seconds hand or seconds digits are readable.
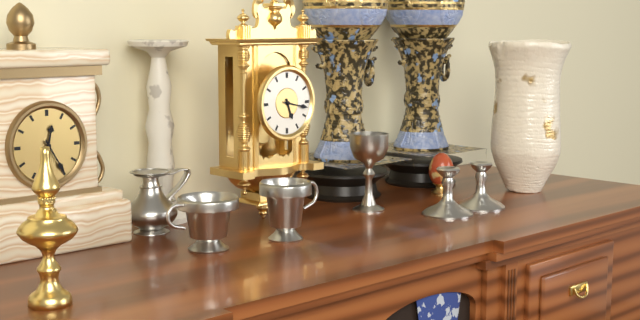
5:17
